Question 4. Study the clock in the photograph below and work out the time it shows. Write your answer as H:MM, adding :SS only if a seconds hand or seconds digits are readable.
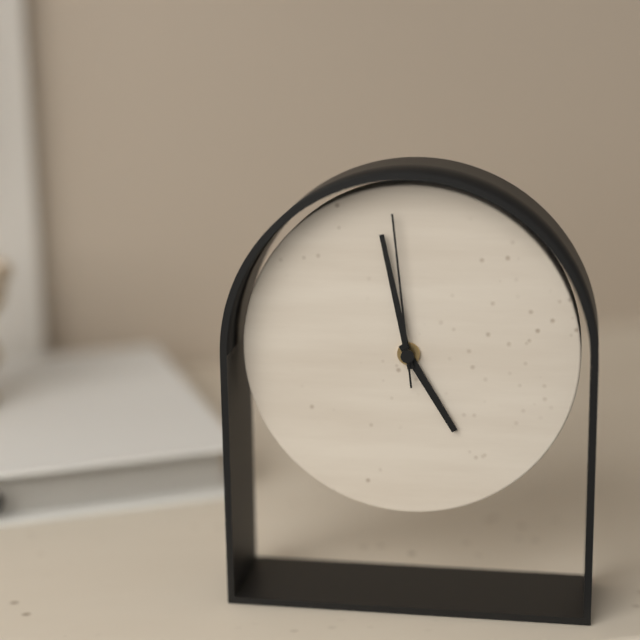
4:58:59
